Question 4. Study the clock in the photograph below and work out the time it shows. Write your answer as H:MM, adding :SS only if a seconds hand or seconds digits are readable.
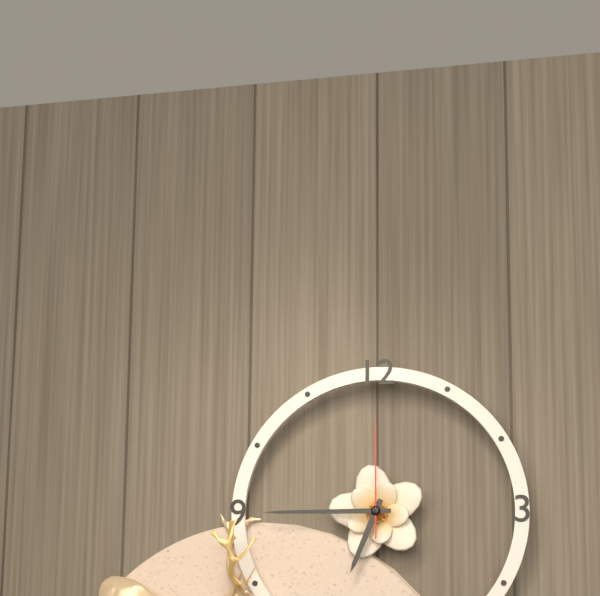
6:45:00
